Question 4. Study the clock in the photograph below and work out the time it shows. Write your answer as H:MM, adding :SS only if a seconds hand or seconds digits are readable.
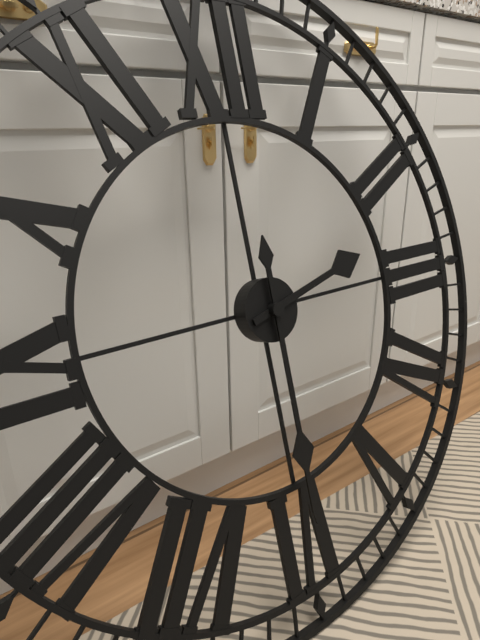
2:30
